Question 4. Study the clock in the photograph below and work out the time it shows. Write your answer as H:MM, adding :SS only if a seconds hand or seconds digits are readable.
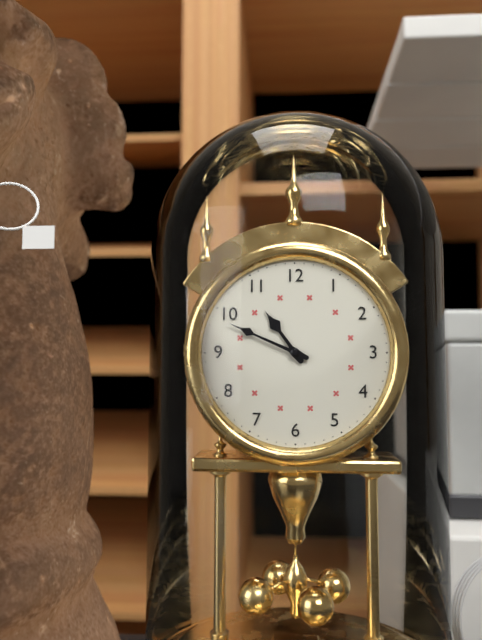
10:49
